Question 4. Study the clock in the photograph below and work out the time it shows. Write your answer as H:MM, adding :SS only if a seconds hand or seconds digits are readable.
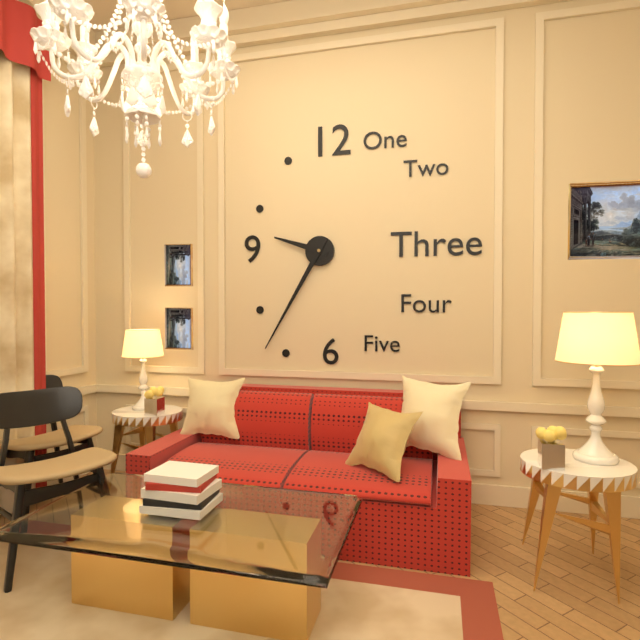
9:35
